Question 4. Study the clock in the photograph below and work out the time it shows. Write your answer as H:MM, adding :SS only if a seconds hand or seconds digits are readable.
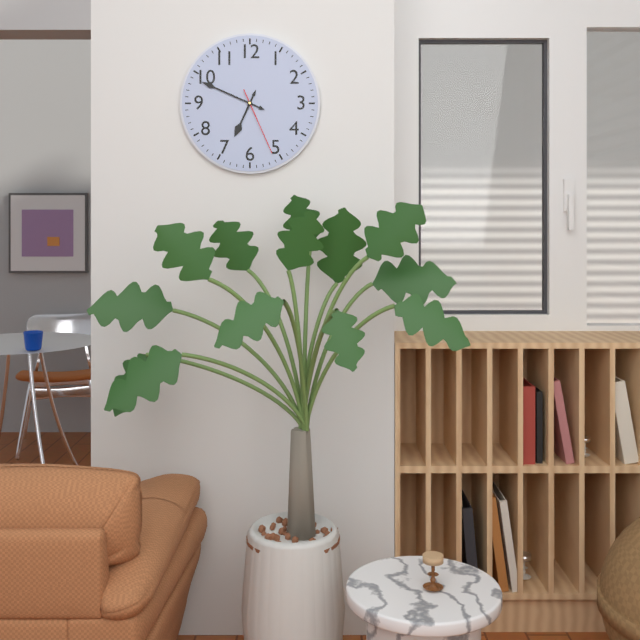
6:49:26
